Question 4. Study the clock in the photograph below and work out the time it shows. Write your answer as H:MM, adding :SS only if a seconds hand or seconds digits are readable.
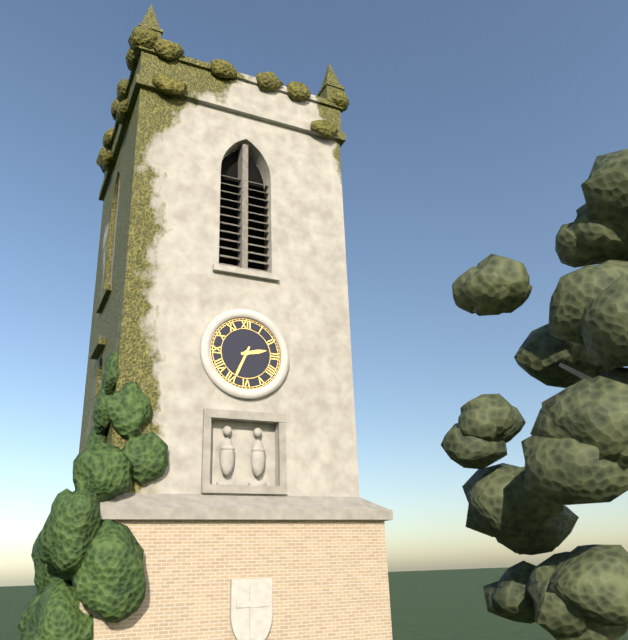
2:34
